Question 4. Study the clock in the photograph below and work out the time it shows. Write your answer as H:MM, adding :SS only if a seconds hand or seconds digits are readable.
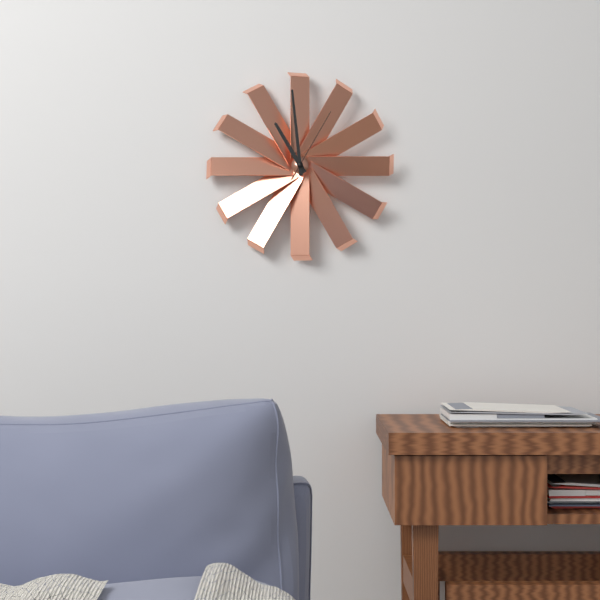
10:59:05
